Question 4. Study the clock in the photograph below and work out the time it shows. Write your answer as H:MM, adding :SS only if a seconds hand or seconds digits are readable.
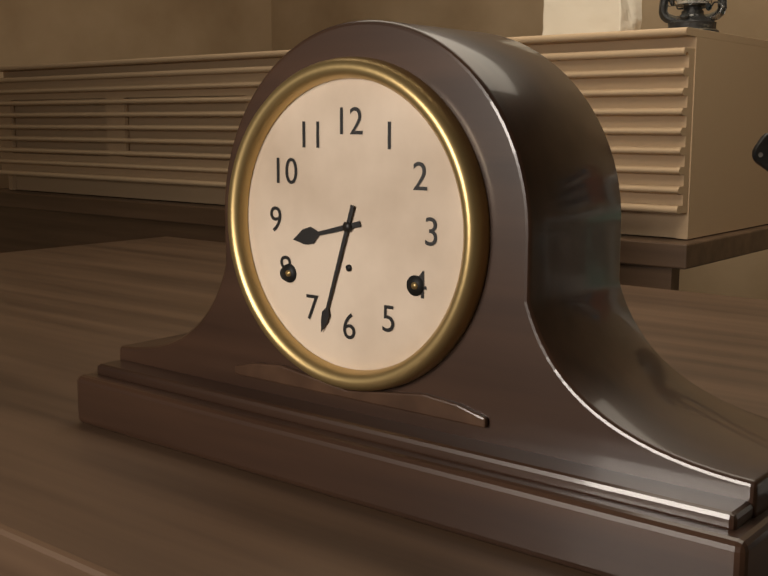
8:33
